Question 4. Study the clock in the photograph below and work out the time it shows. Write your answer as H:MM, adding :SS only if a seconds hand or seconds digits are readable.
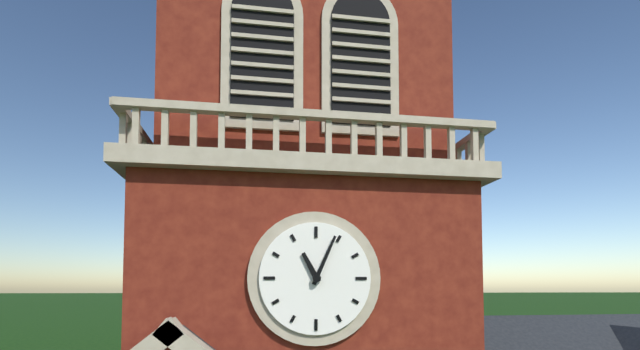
11:04
